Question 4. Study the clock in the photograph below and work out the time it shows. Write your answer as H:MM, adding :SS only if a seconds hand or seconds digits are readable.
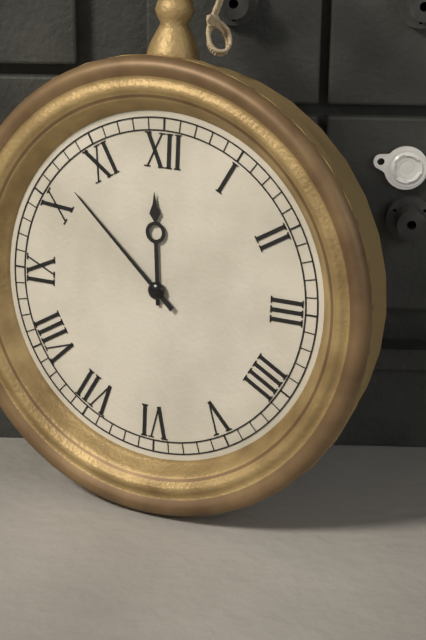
11:52
